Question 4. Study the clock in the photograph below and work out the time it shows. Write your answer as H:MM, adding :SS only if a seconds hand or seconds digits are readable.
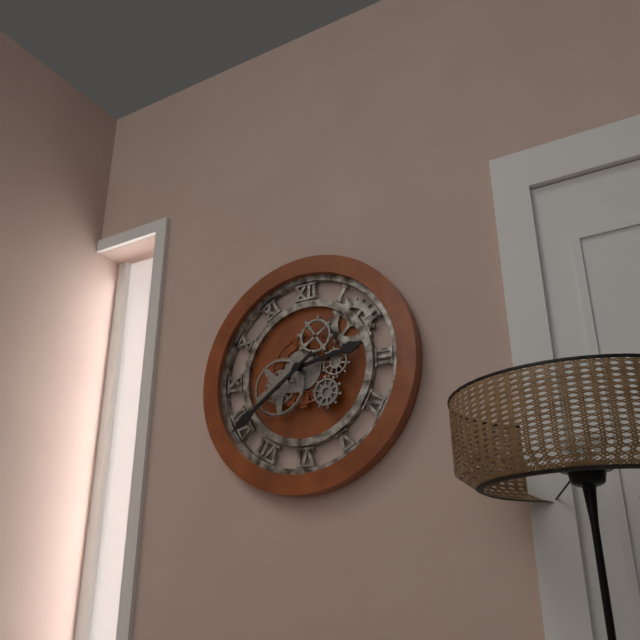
2:39
